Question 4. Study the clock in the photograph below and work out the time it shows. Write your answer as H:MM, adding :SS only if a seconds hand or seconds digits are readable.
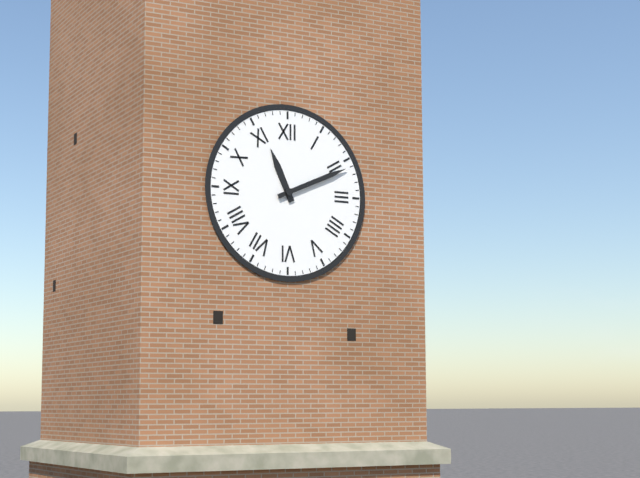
11:11
